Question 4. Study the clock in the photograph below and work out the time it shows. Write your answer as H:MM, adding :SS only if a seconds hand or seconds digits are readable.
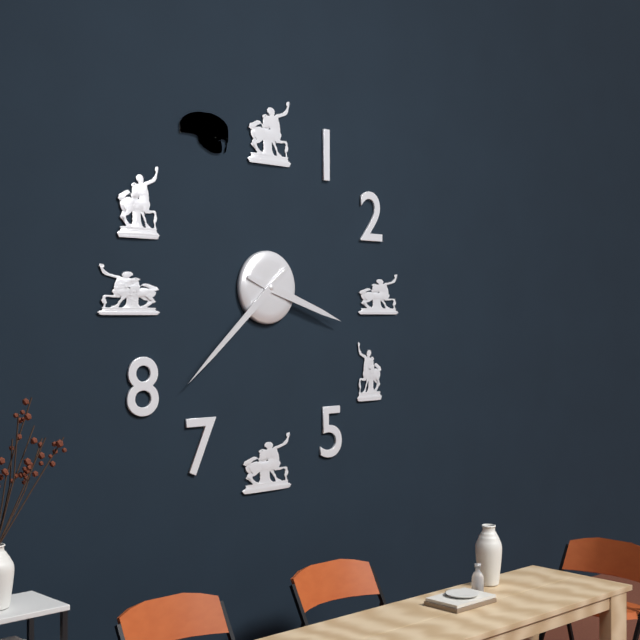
3:38
